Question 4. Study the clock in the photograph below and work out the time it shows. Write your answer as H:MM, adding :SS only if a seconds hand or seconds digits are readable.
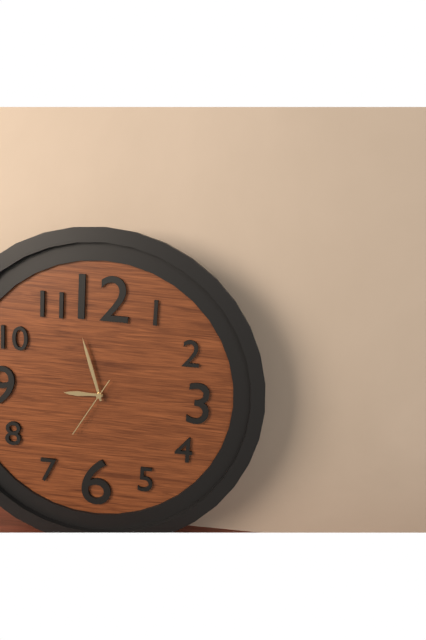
8:57:35
